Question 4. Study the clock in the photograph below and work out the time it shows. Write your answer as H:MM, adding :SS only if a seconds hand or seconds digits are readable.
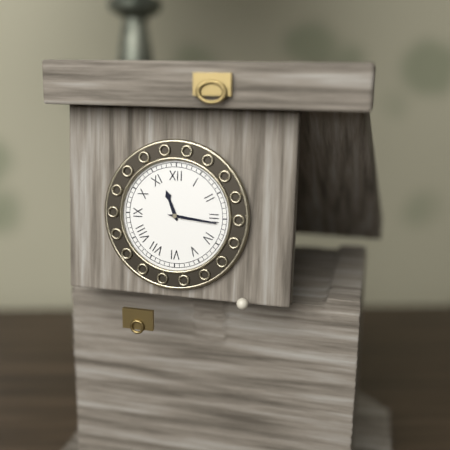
11:16
